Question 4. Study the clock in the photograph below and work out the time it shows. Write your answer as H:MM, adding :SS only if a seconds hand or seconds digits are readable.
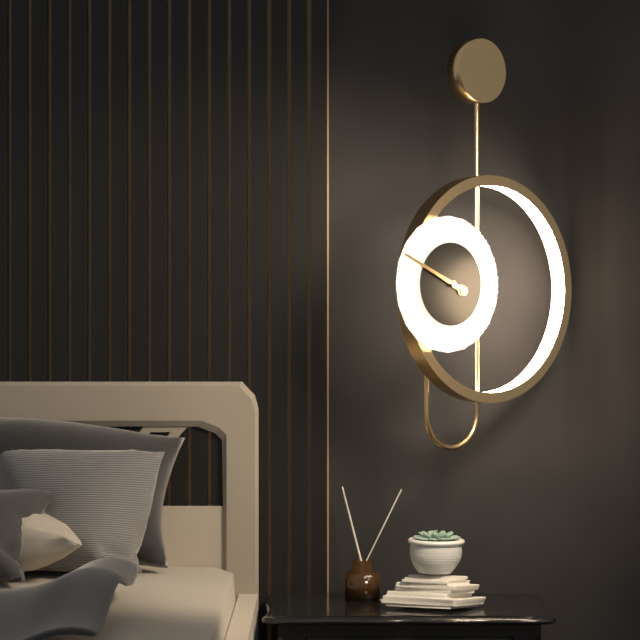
9:49
